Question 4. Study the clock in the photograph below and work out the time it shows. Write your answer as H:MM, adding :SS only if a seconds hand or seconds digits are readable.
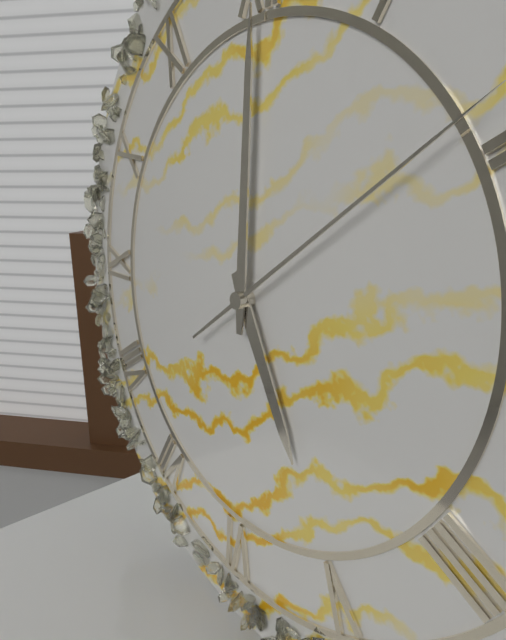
5:00:09
